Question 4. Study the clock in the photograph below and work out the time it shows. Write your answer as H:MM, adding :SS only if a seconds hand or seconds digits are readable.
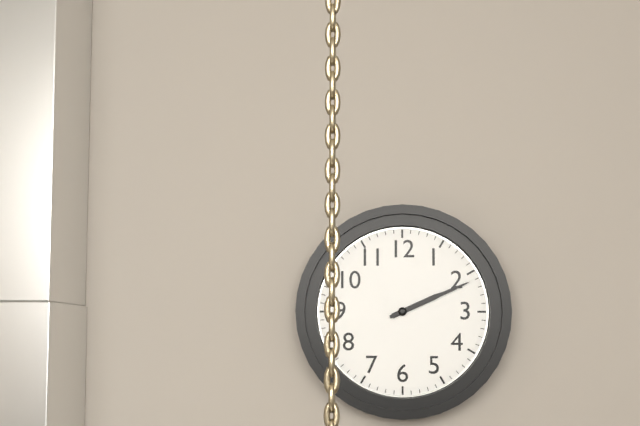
2:11
